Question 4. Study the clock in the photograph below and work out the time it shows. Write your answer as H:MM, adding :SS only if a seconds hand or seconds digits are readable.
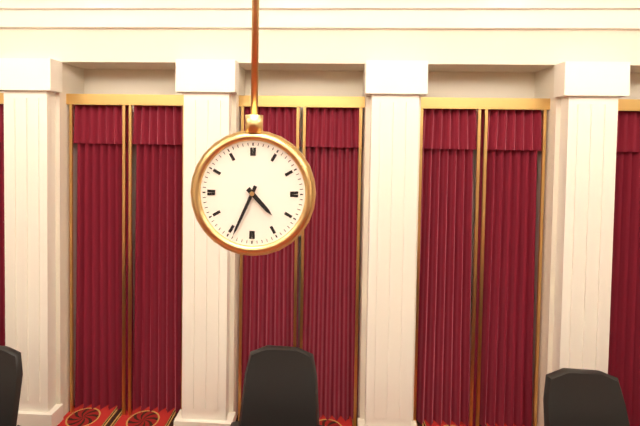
4:34
